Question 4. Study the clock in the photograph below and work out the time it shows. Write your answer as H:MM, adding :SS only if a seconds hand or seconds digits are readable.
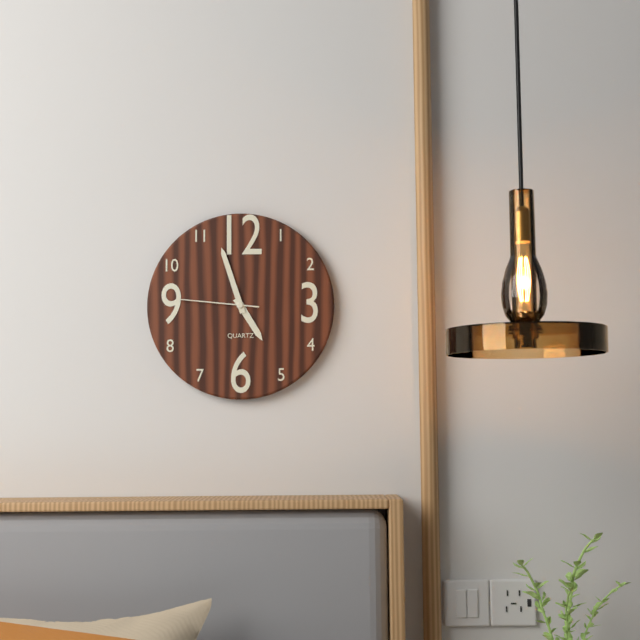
4:57:46
